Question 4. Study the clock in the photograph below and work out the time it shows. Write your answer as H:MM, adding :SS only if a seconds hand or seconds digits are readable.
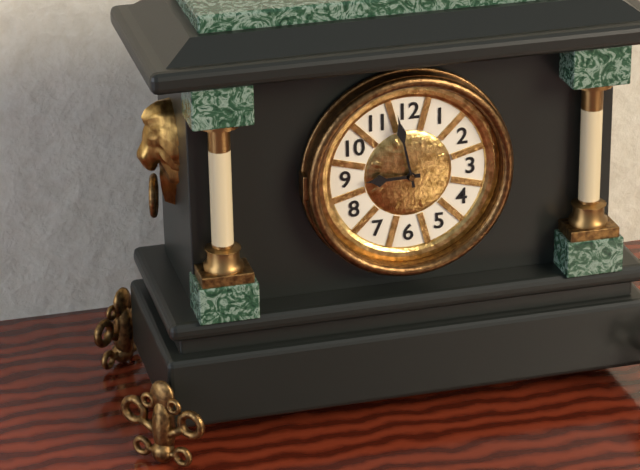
8:58
